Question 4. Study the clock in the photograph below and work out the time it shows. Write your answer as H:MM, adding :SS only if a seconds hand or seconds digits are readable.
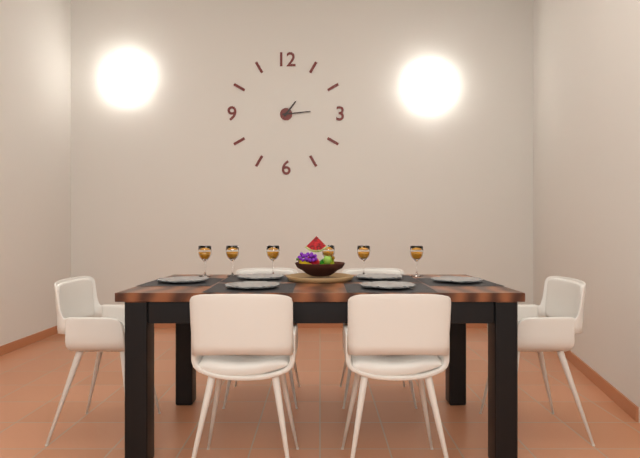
1:14
